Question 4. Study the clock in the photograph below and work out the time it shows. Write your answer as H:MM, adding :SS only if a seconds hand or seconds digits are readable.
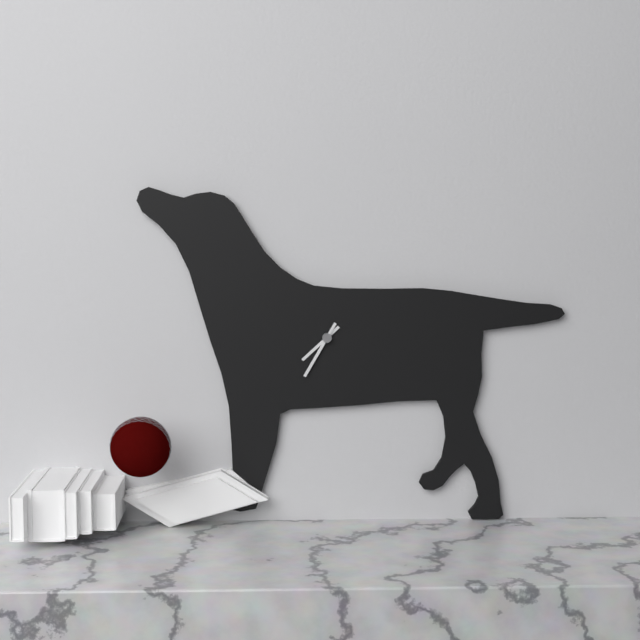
7:35
